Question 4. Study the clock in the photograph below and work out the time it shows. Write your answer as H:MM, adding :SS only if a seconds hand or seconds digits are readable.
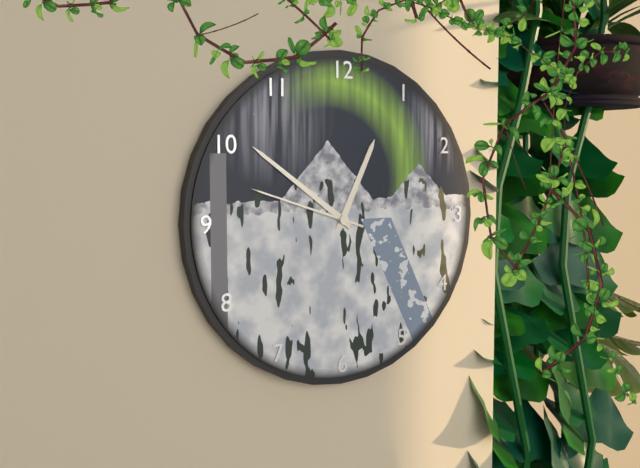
12:51:48
